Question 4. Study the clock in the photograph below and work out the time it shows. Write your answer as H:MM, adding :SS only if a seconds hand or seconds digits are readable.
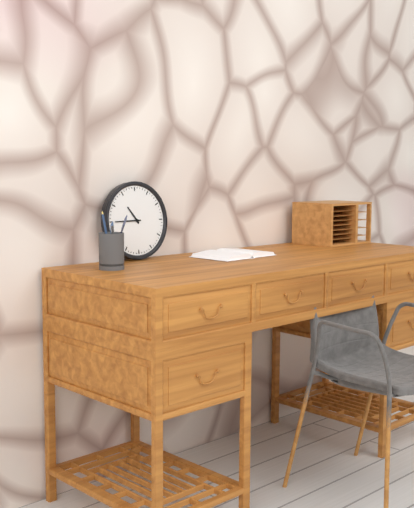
10:45
